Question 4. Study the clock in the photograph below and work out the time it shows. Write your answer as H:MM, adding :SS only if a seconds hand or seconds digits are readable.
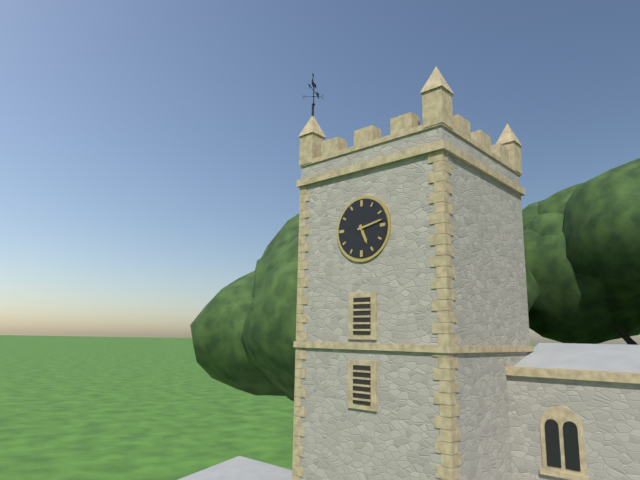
5:13
